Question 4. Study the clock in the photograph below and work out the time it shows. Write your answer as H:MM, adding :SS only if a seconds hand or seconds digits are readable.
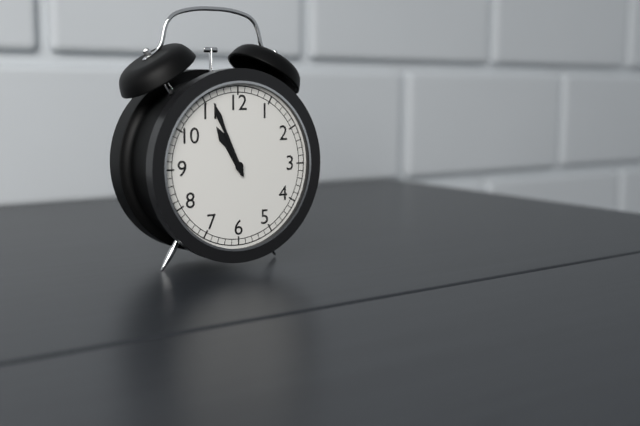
10:56
